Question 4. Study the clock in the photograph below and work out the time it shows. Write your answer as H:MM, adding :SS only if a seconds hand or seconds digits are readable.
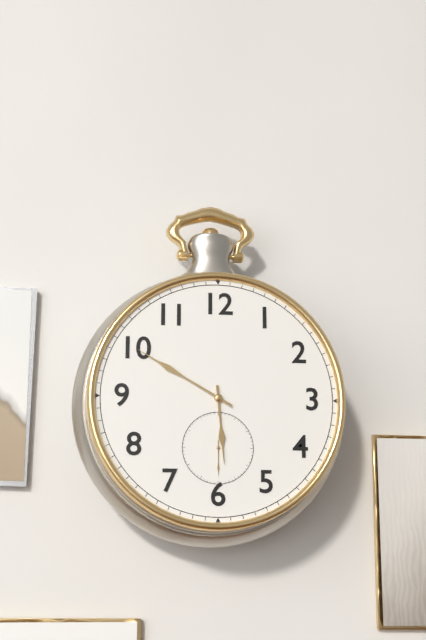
5:50
